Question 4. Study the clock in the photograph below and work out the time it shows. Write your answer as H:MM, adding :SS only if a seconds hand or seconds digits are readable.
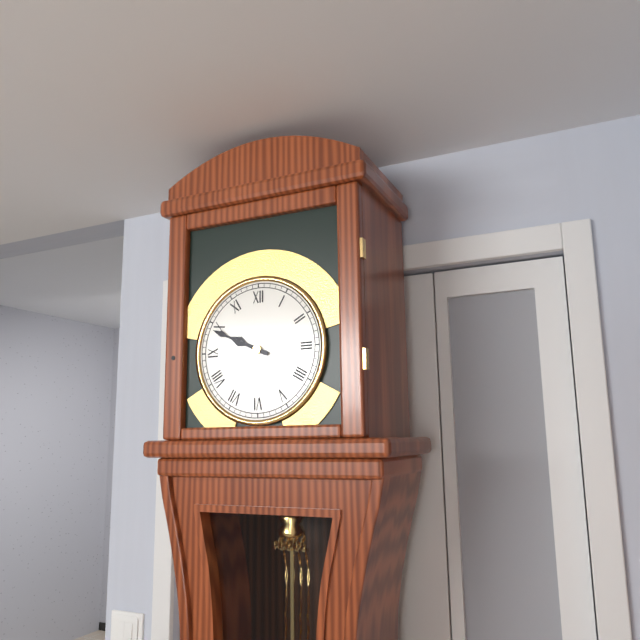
9:49
